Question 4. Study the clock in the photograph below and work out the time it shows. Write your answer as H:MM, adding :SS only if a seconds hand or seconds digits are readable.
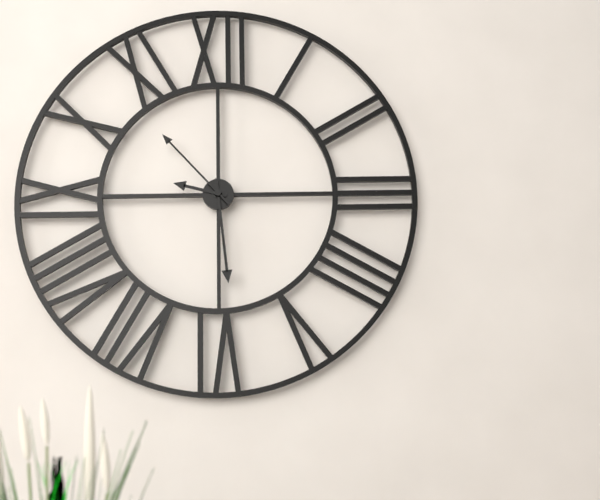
9:29:53
